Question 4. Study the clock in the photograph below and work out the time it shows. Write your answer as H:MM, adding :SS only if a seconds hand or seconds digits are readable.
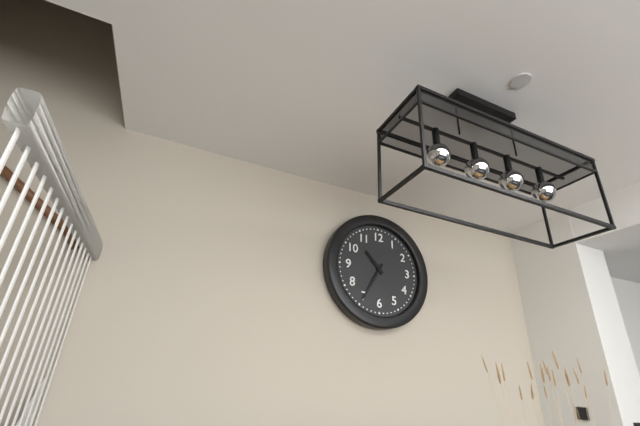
10:35
